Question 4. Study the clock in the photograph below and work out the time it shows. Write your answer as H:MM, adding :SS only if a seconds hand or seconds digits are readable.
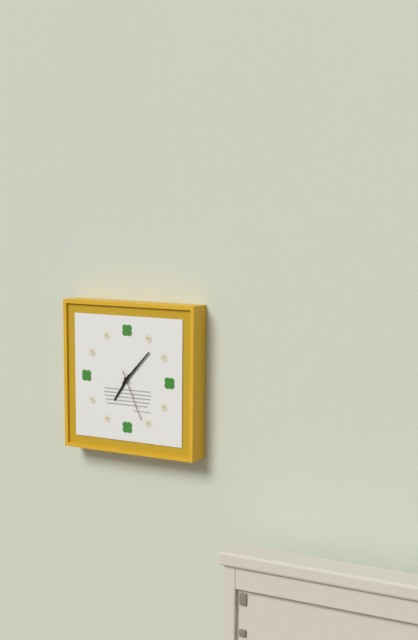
7:07:26
